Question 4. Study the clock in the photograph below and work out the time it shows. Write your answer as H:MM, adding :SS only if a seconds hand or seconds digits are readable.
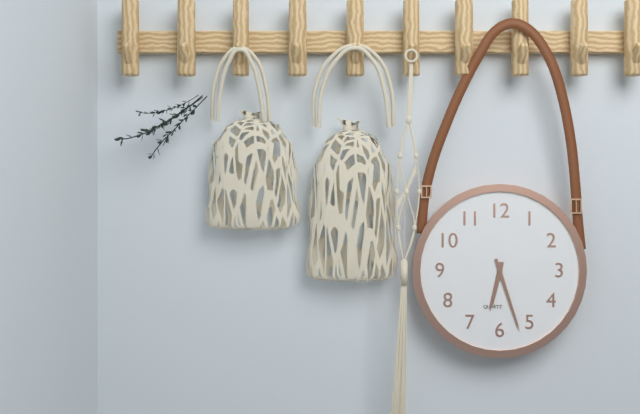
6:27
